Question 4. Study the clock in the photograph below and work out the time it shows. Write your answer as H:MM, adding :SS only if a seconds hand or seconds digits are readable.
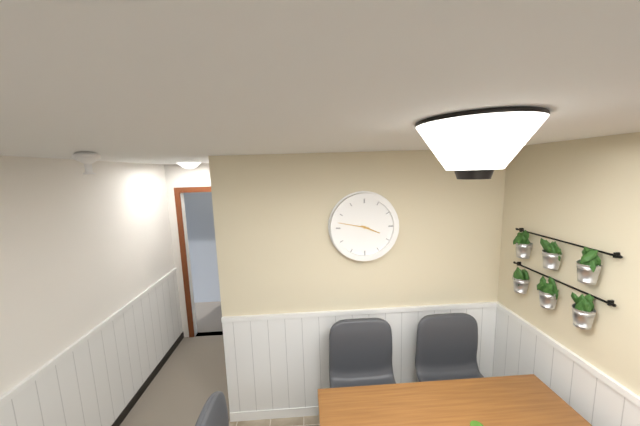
3:47
